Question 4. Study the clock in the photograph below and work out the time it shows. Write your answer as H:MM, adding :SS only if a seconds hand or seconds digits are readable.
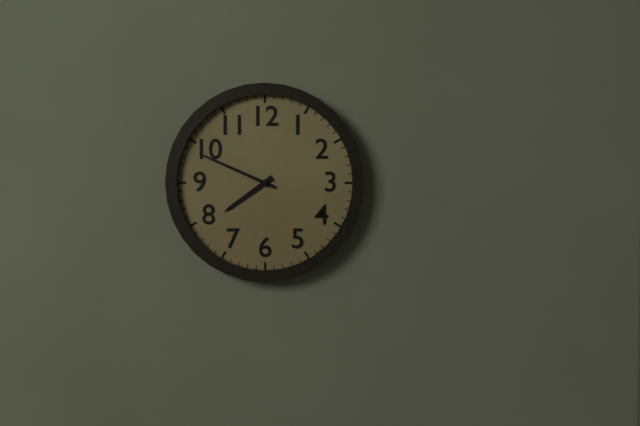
7:49
